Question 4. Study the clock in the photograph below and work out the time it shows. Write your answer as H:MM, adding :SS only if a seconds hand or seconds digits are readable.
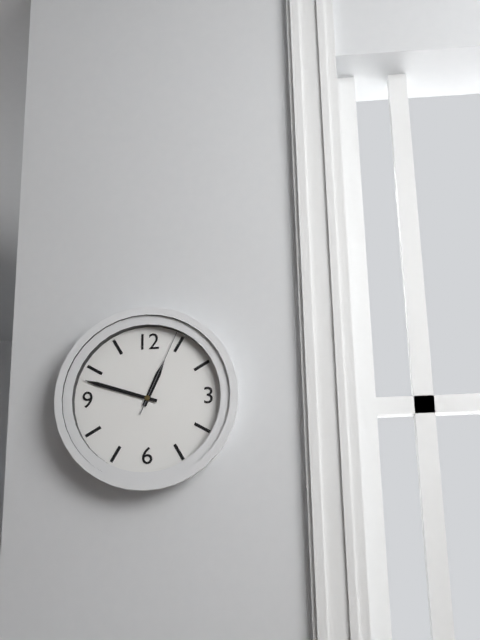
12:48:04
